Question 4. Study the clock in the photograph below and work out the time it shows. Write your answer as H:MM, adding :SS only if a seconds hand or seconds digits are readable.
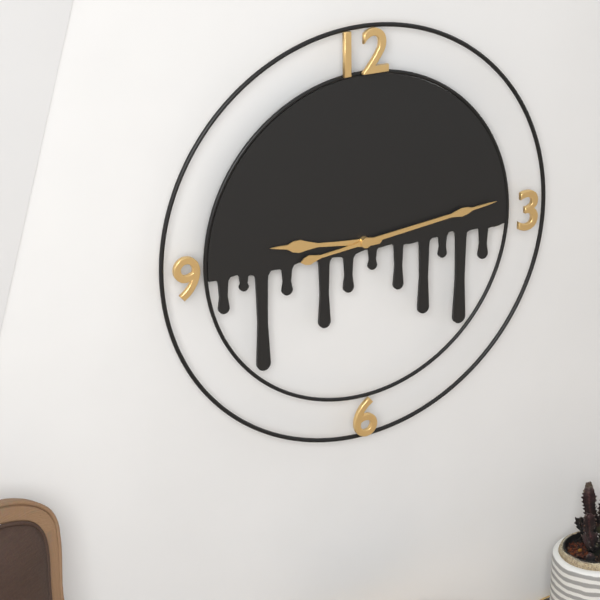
9:14
